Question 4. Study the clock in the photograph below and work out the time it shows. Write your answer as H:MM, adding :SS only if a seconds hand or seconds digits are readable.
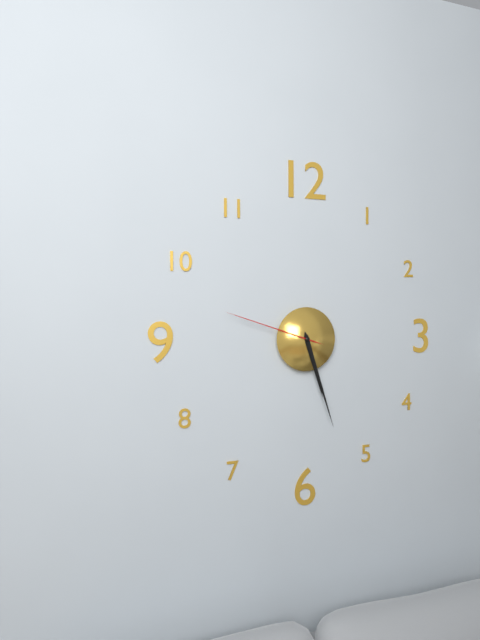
5:27:48
